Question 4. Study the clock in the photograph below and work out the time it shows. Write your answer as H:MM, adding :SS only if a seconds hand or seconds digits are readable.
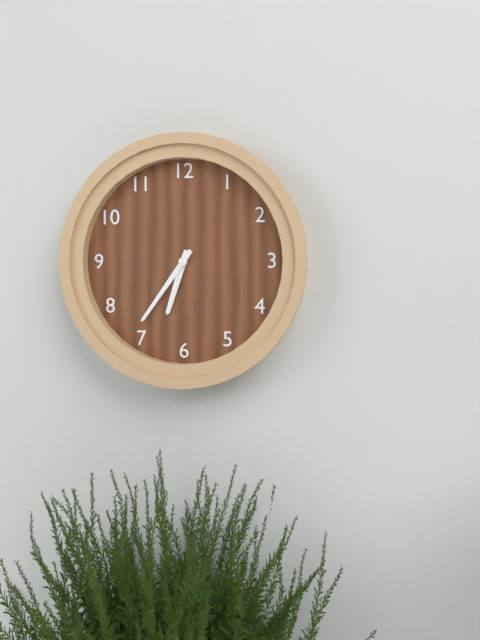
6:36
